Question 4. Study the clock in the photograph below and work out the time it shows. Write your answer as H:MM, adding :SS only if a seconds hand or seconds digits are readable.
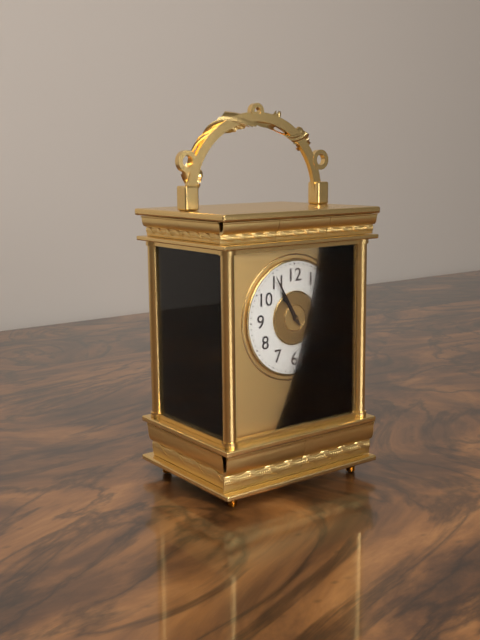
10:55
